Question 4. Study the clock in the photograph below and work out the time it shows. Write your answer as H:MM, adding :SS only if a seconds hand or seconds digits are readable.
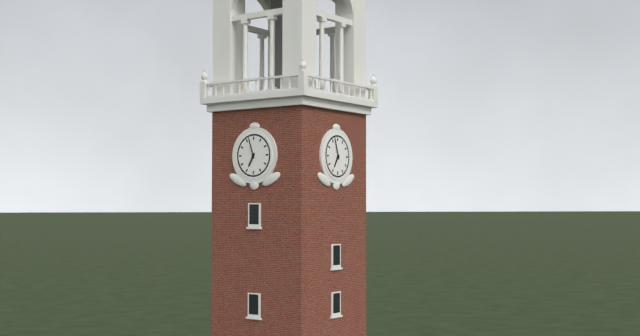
6:57
